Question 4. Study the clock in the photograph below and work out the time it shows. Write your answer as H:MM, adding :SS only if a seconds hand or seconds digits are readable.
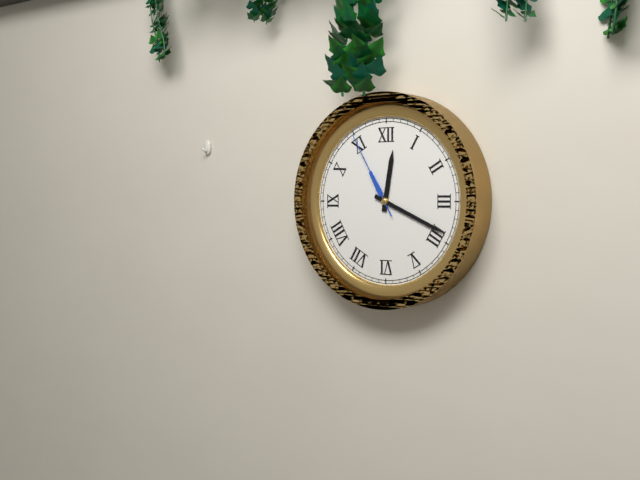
12:19:55
